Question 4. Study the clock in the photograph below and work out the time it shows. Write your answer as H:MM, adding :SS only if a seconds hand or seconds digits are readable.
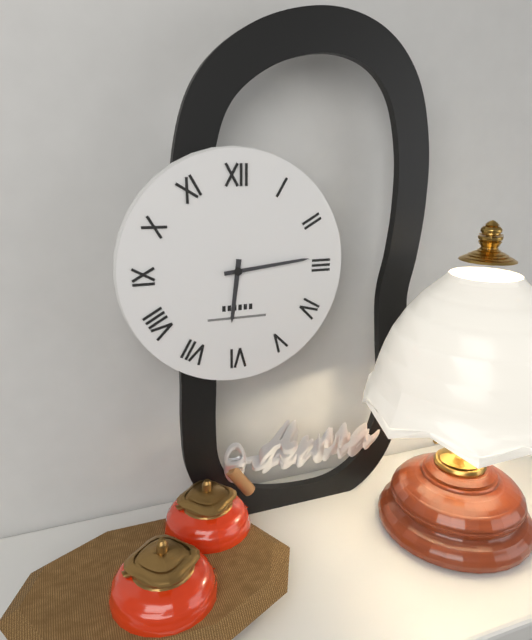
6:14
